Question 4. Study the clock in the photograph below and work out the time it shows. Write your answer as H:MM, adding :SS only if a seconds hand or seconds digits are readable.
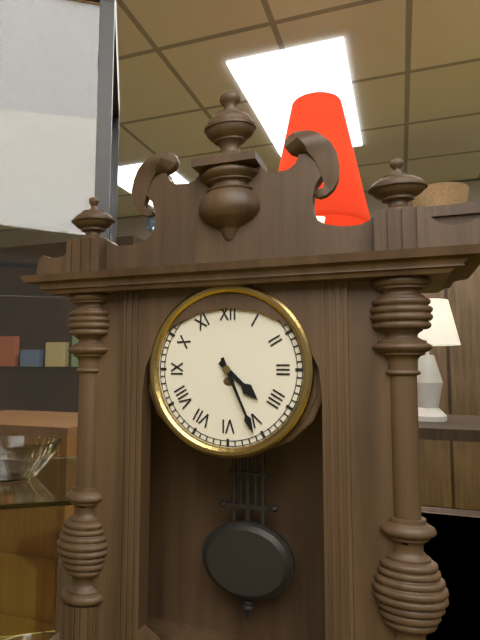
4:26
